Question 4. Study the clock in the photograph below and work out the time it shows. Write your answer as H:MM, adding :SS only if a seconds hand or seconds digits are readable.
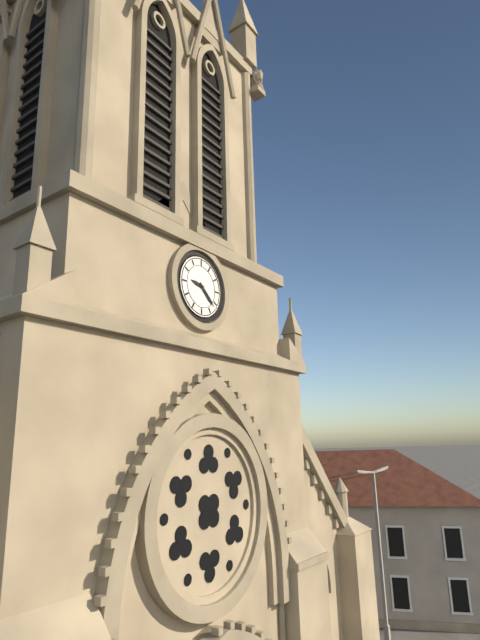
9:22
